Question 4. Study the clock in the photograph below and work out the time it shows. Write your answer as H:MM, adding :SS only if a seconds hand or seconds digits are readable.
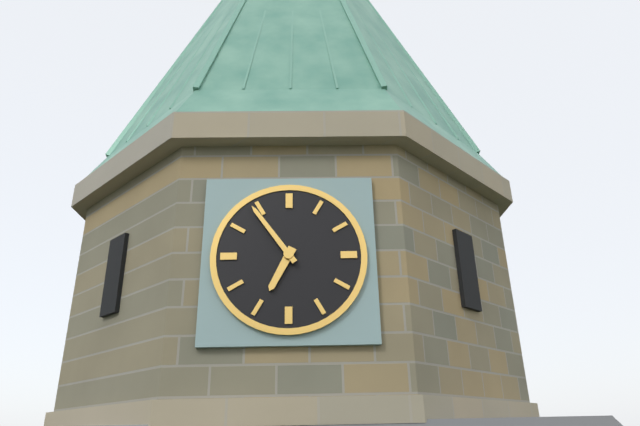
6:54
